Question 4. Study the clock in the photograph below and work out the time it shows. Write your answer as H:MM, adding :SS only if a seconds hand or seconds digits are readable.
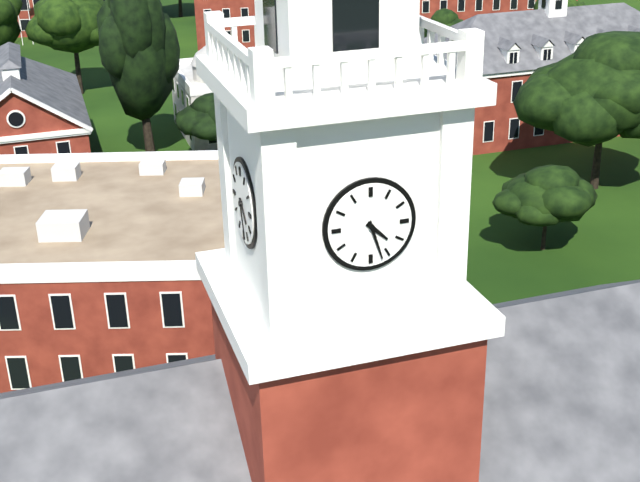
4:27
